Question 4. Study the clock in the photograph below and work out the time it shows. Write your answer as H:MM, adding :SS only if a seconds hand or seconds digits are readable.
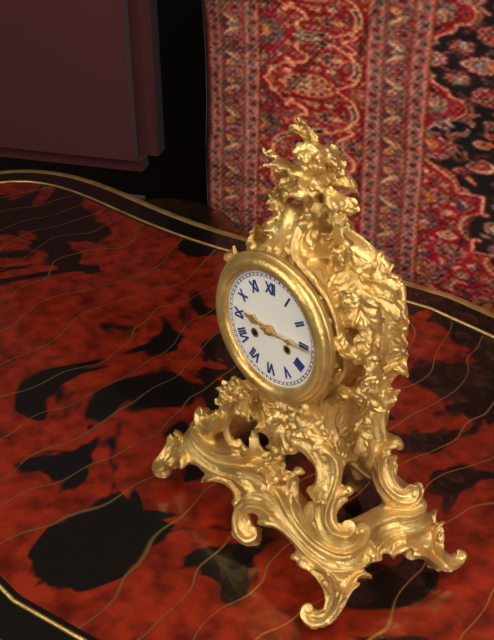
9:15
